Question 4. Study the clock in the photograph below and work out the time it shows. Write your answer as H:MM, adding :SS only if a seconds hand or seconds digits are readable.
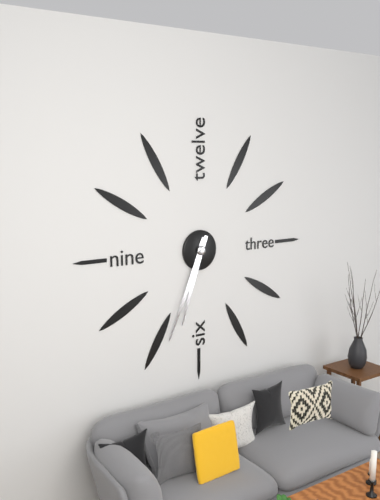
6:34
